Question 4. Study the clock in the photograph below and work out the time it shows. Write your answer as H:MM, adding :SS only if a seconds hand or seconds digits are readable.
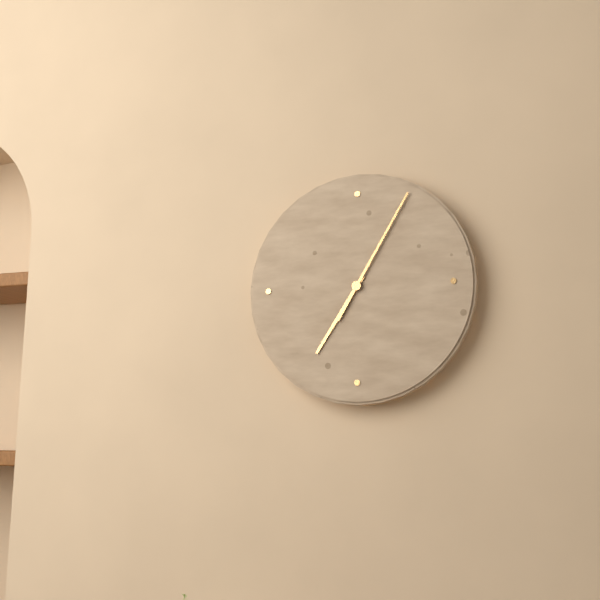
7:05
